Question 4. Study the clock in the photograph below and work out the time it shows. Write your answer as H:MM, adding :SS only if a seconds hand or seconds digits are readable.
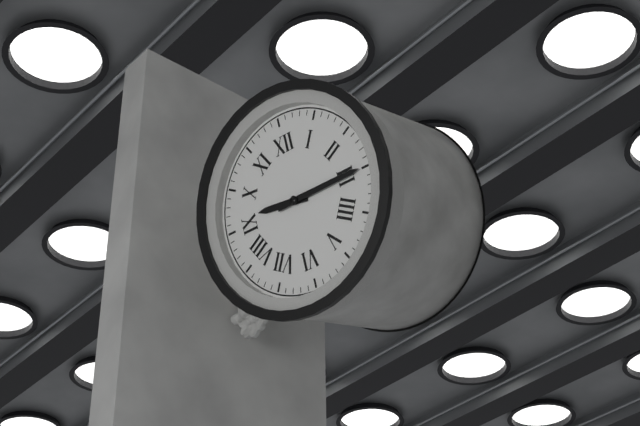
9:15
